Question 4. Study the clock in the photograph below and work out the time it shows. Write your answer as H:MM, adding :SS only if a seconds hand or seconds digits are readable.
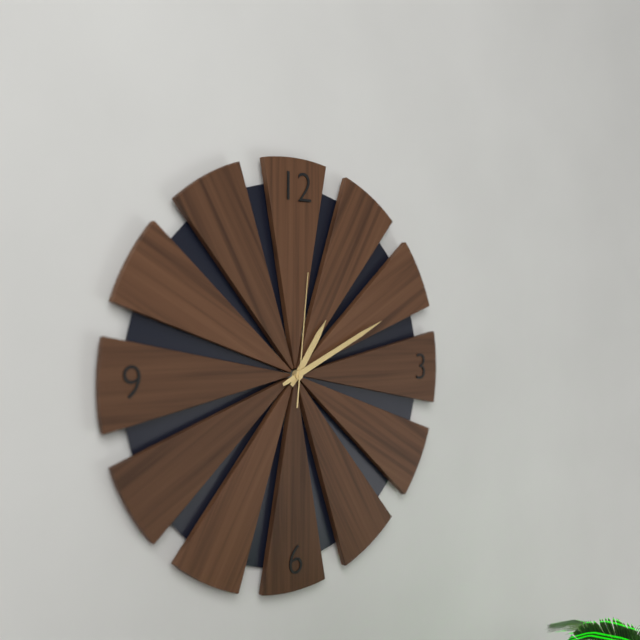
1:11:01
